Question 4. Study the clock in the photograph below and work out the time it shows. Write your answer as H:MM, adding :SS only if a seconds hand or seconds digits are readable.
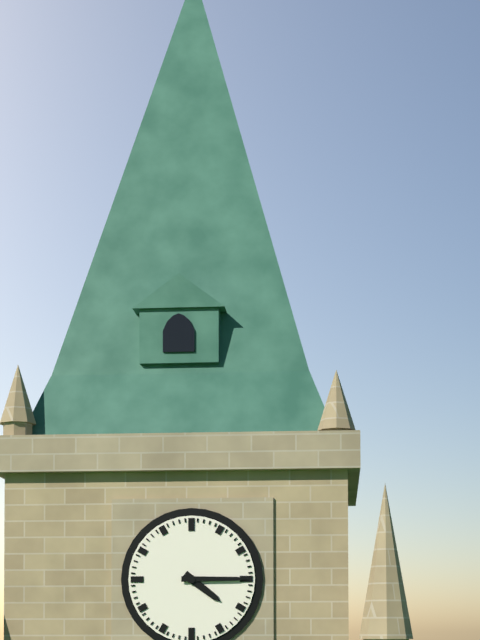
4:15
